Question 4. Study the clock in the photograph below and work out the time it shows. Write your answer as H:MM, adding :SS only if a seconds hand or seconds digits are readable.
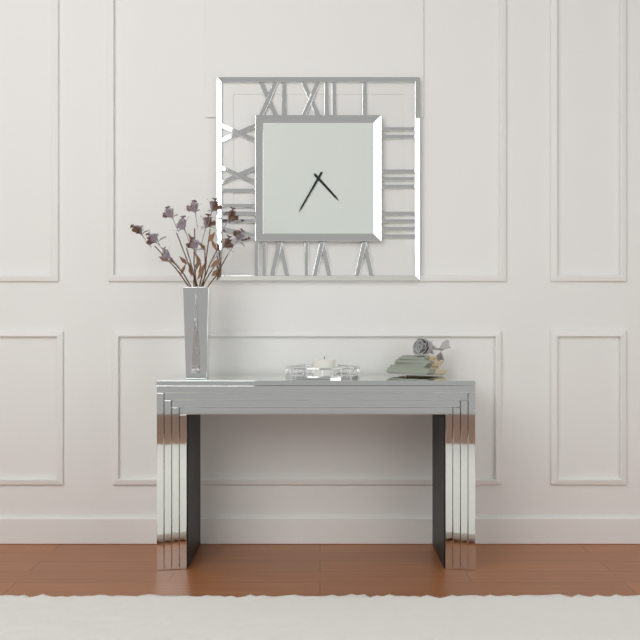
4:35
